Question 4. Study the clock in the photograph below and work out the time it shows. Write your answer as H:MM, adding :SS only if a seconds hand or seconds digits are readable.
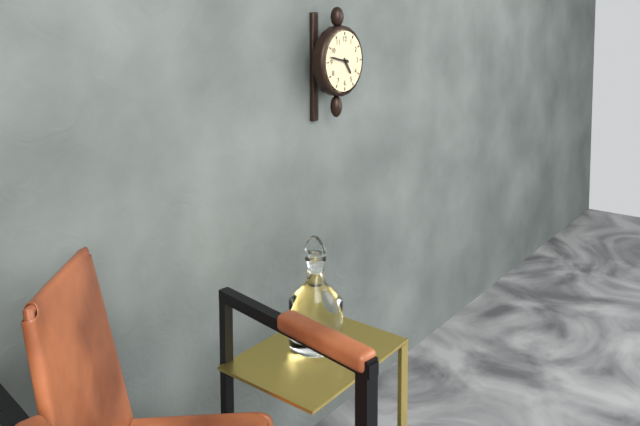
4:47
